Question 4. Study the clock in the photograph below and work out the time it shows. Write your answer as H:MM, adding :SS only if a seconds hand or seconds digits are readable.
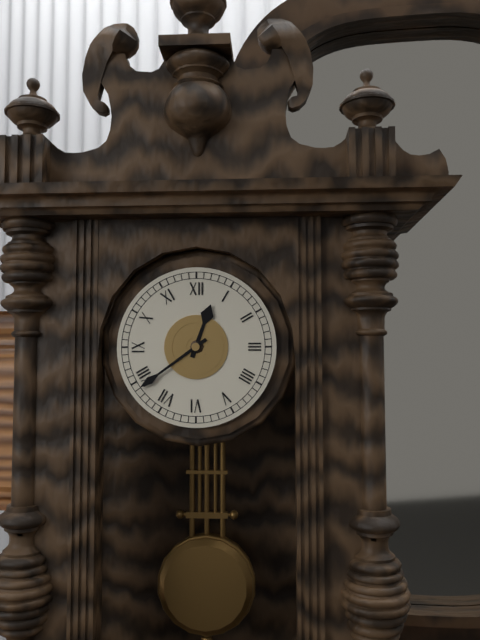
12:39
